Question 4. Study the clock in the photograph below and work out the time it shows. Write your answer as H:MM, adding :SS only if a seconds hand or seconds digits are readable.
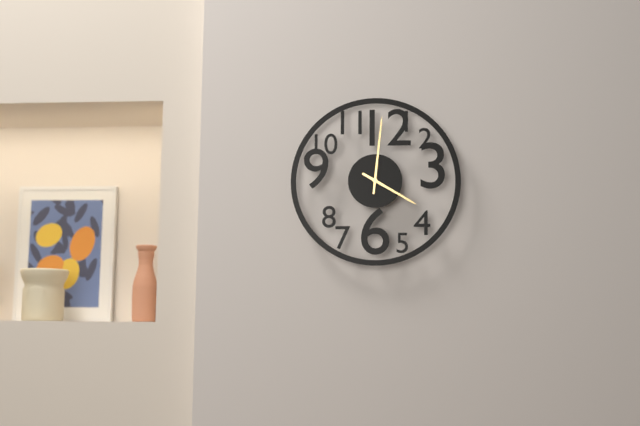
4:01
